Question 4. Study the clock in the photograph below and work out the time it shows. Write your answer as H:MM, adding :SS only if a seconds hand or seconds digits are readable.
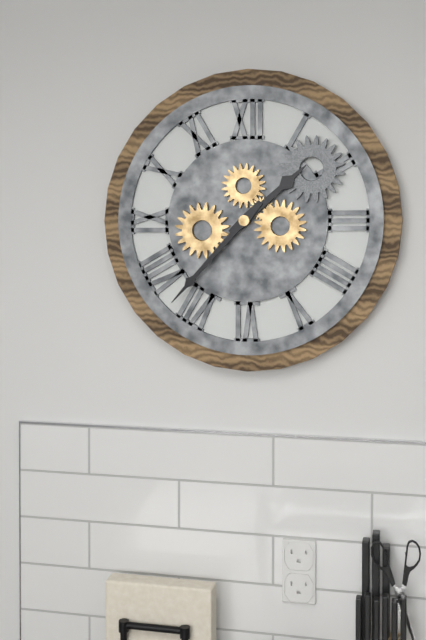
1:37
